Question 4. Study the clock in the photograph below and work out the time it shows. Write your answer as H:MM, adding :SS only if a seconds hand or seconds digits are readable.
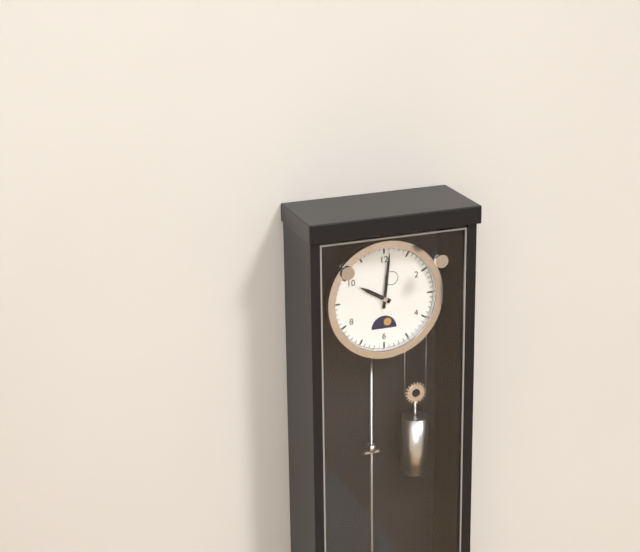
10:01
